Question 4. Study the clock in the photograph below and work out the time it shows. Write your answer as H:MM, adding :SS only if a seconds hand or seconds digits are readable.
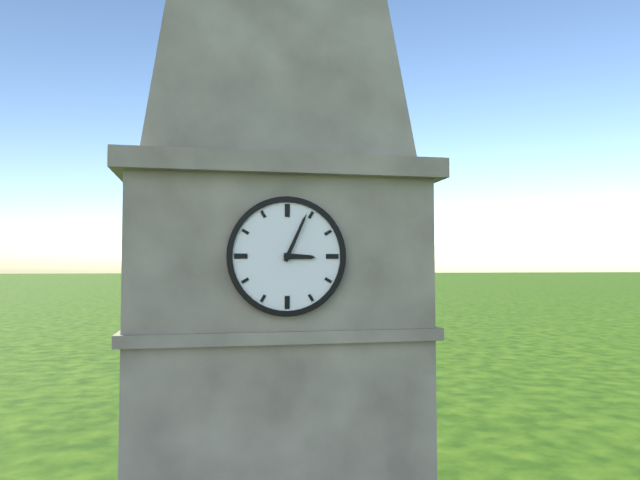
3:04
